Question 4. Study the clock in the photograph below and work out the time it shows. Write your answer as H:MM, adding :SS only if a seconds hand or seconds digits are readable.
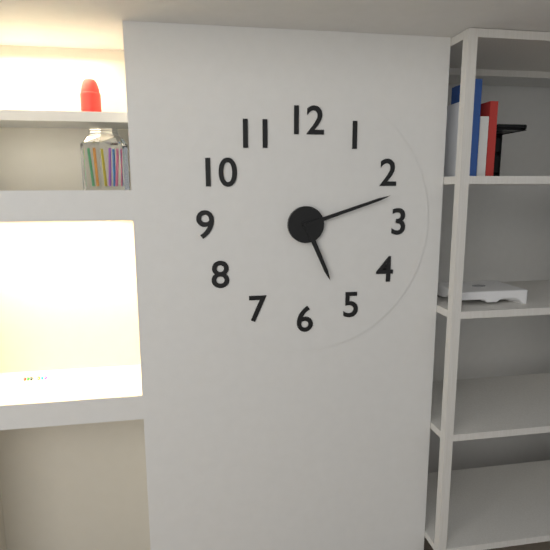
5:12
